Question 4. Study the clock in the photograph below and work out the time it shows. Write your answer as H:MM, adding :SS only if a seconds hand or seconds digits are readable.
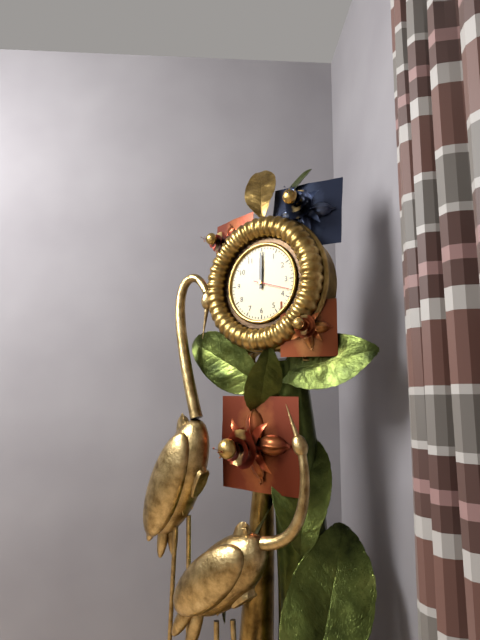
12:00
